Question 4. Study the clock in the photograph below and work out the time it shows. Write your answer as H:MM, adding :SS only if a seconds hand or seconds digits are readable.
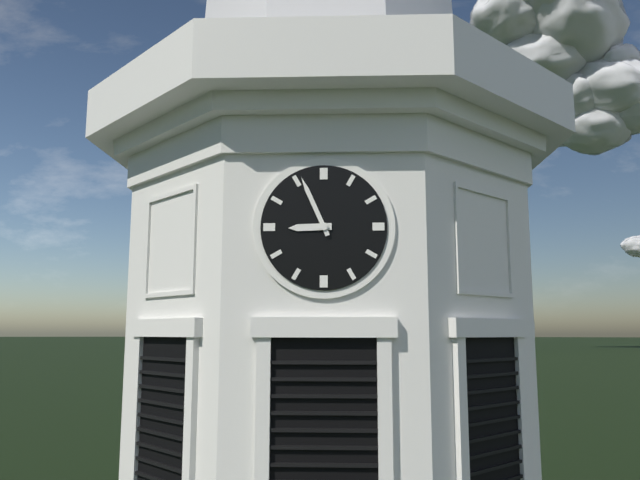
8:56
